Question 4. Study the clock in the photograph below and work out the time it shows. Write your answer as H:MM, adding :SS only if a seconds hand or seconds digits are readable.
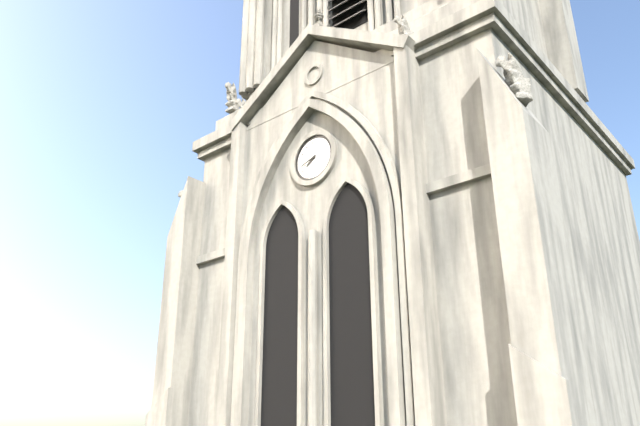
7:42
